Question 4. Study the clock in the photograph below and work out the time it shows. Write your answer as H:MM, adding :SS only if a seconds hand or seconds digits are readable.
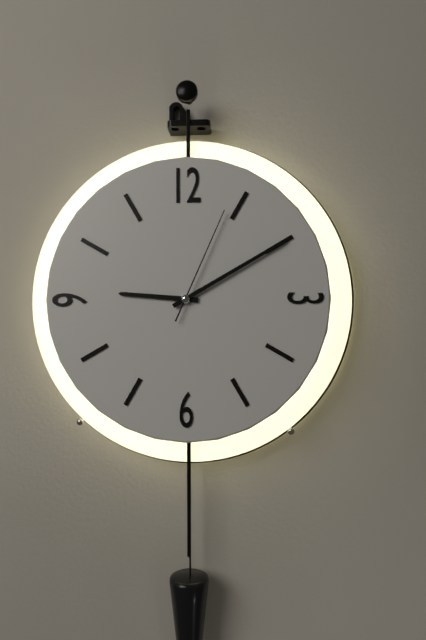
9:10:04
